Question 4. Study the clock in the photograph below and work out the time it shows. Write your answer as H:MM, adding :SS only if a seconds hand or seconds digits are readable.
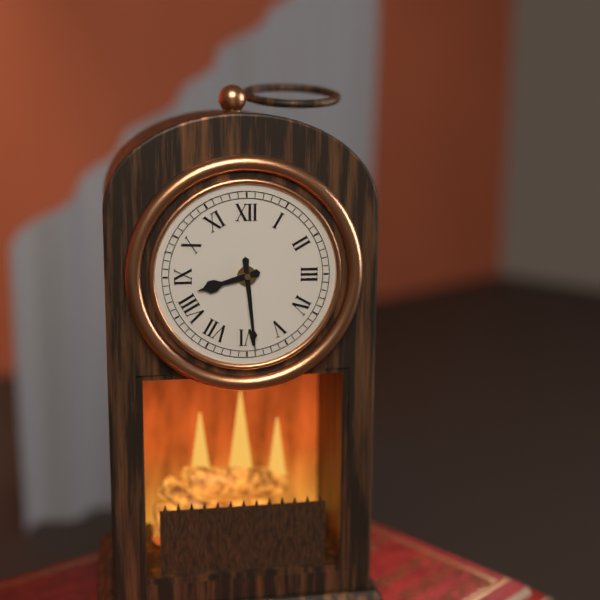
8:29
